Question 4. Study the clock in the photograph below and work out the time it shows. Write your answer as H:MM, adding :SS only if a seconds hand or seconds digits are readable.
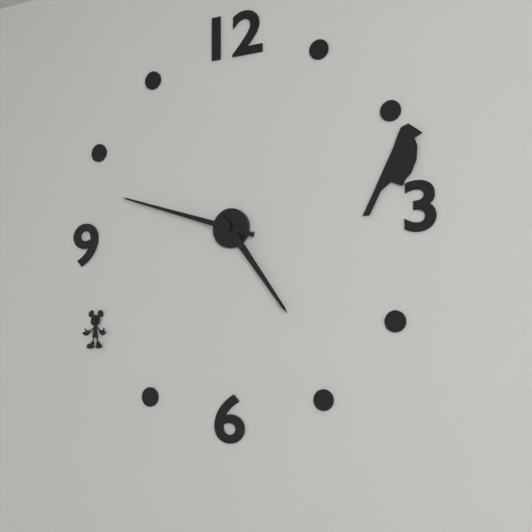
4:48
